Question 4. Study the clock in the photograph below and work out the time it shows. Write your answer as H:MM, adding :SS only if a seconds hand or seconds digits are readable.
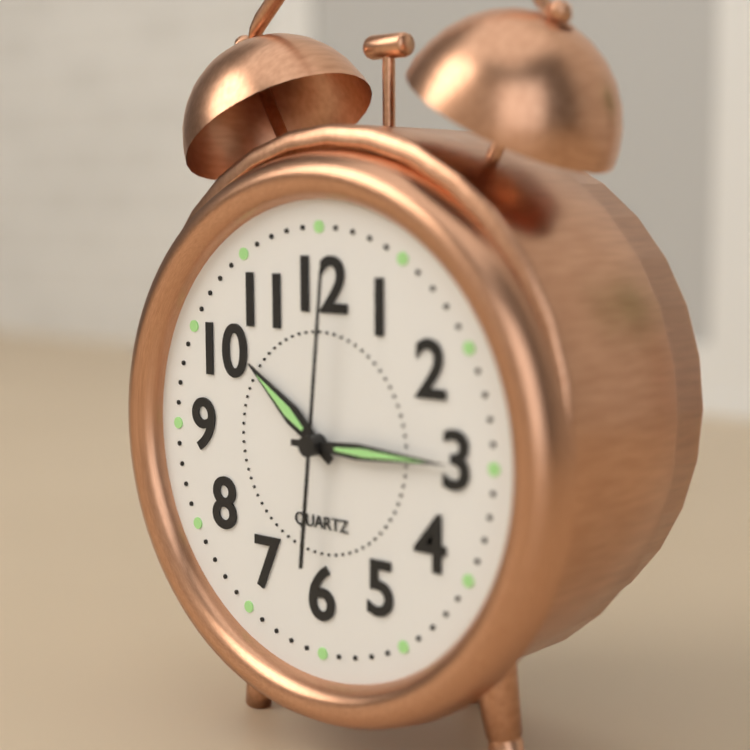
10:15:01
